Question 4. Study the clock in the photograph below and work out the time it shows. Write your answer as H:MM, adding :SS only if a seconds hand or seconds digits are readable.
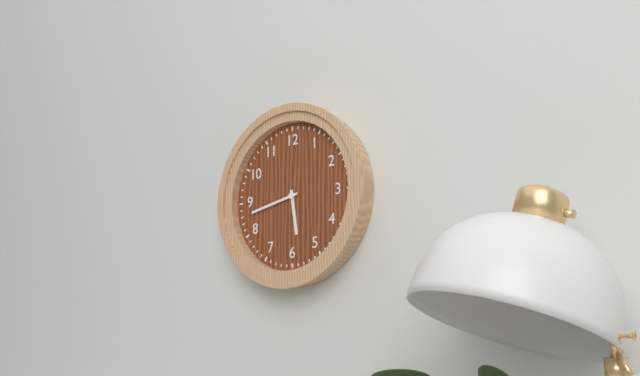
5:43
